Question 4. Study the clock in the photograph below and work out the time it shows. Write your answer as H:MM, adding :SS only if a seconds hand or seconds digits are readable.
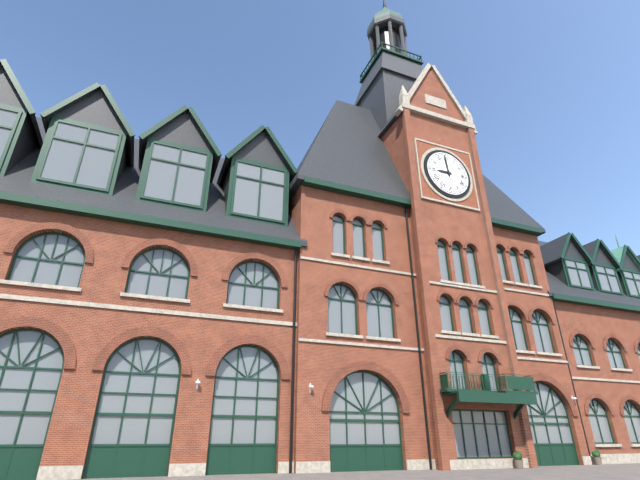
8:59
